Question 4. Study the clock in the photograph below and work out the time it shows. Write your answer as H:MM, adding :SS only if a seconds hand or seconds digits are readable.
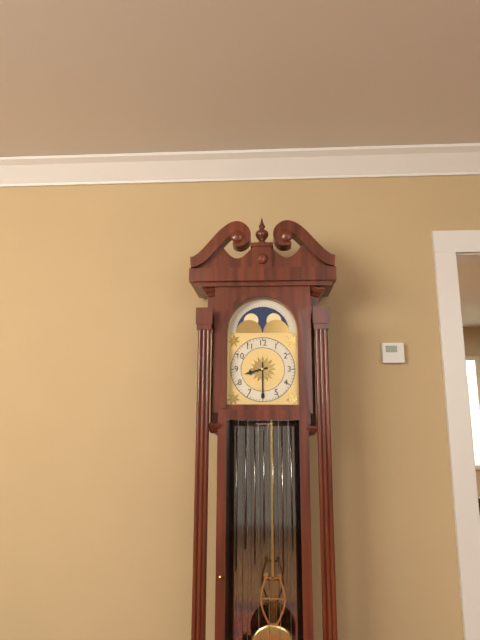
8:30
